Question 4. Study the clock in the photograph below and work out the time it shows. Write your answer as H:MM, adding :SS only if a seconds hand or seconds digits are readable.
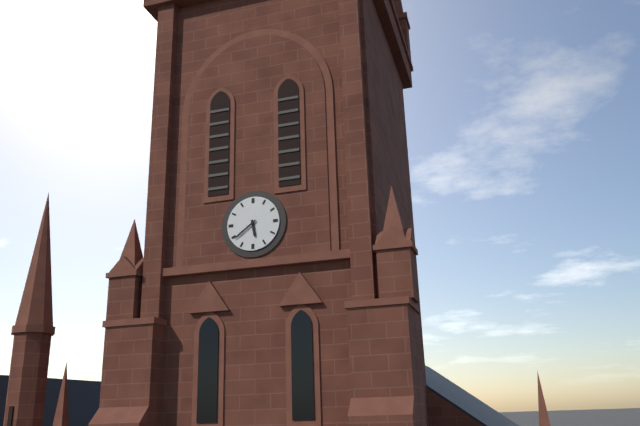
5:39
